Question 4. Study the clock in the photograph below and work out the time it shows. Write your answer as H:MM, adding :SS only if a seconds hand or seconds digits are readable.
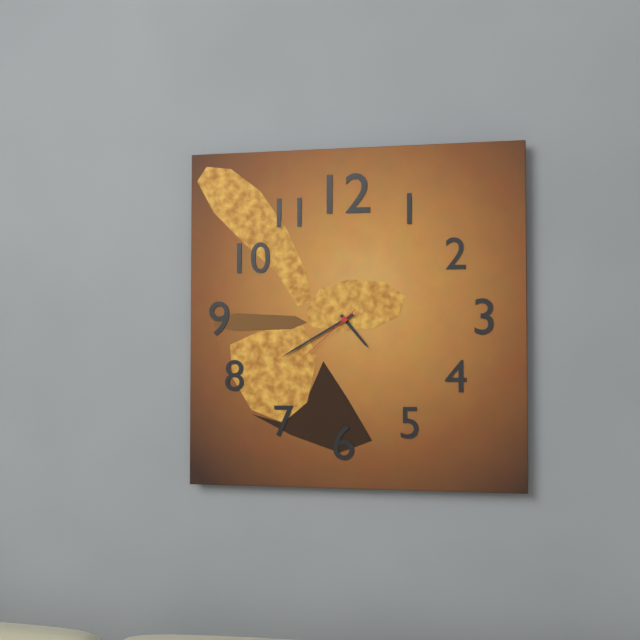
4:40:38
